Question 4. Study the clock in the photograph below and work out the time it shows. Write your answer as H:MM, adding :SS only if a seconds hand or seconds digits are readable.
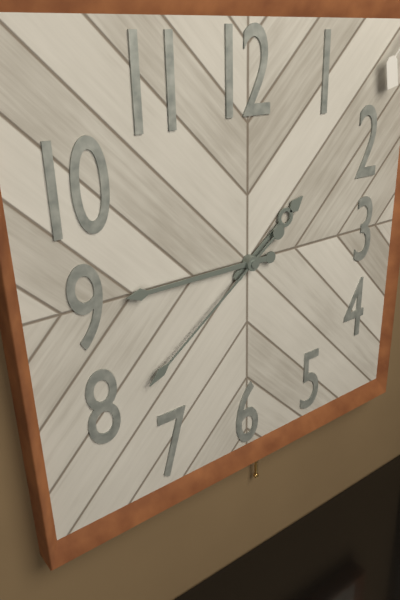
1:45:39
